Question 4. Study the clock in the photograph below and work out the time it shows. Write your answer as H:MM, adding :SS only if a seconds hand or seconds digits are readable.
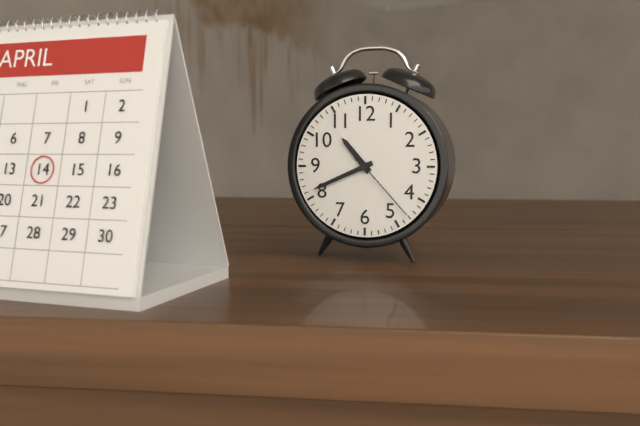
10:41:23
